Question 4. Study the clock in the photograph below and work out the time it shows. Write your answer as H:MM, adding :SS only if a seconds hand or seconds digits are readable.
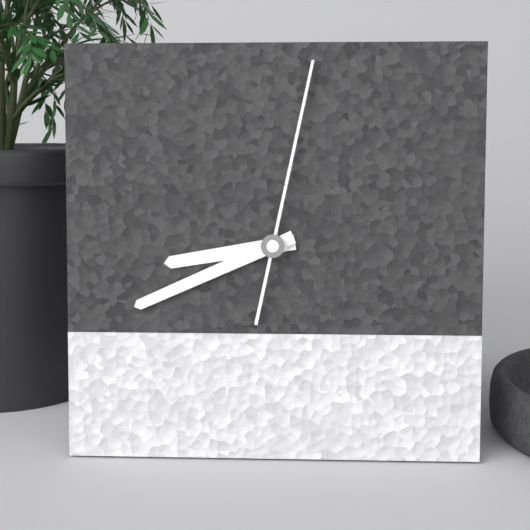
8:41:02
